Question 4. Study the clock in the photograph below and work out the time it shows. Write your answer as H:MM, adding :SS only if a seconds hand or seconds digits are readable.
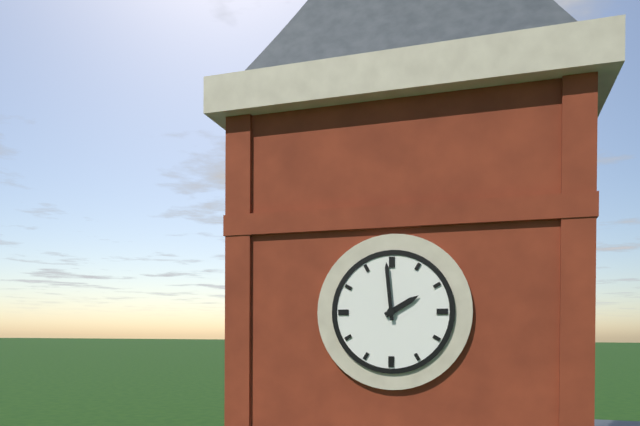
1:59
